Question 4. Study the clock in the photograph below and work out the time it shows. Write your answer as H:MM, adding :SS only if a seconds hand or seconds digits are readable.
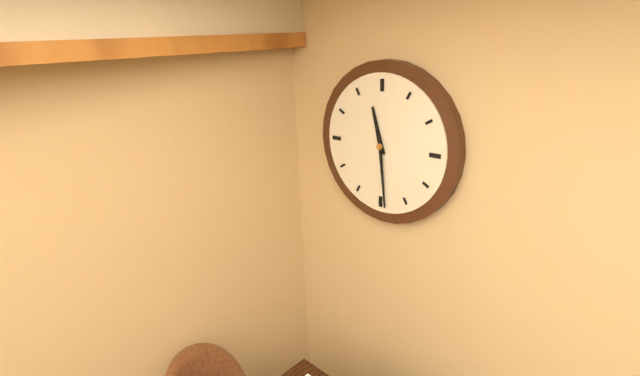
11:29
